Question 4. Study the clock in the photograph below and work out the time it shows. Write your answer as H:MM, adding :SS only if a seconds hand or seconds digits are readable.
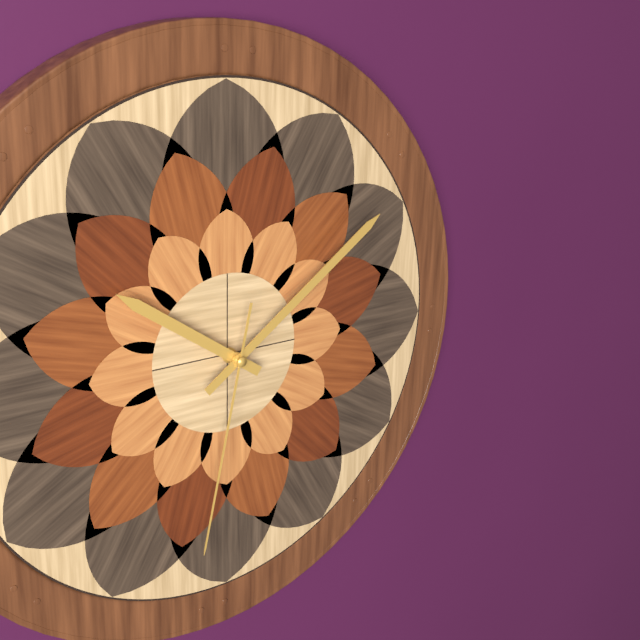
10:09:32
